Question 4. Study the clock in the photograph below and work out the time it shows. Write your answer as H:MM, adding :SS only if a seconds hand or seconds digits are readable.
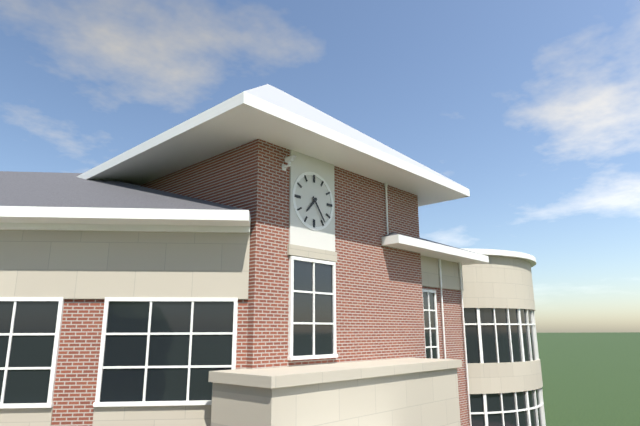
7:24
